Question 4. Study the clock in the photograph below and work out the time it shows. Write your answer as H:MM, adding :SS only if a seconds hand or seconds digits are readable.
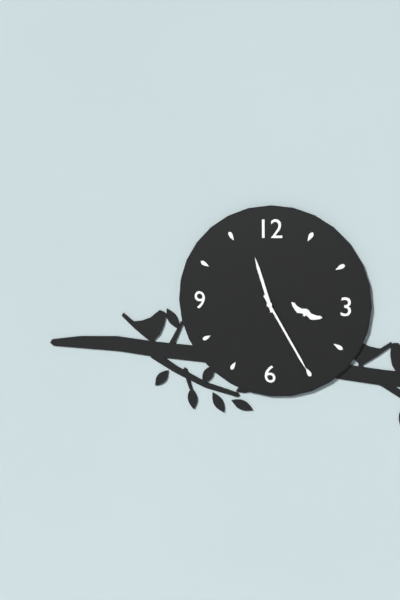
11:25
